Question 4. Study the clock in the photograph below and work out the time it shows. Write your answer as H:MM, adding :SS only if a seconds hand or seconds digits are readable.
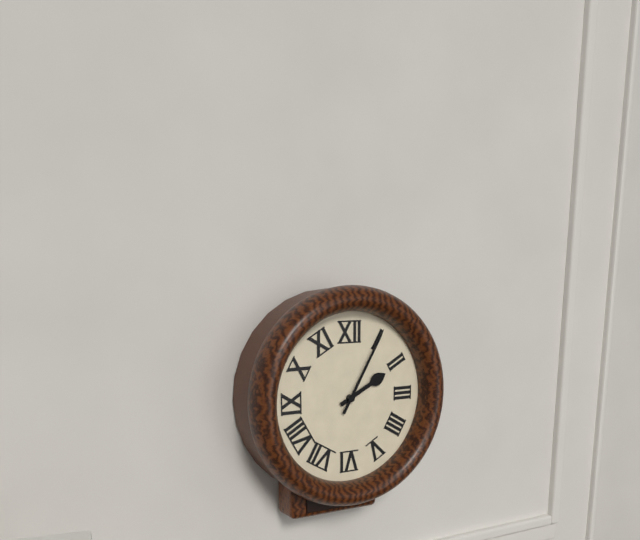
2:05
